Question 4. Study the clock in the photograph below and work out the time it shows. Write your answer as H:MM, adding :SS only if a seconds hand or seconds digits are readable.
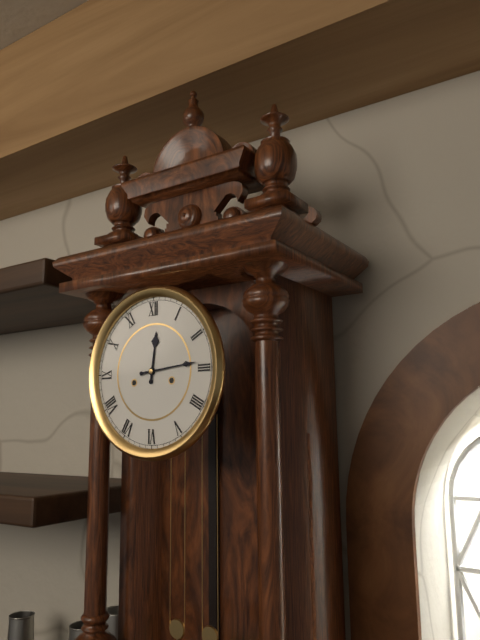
12:14
